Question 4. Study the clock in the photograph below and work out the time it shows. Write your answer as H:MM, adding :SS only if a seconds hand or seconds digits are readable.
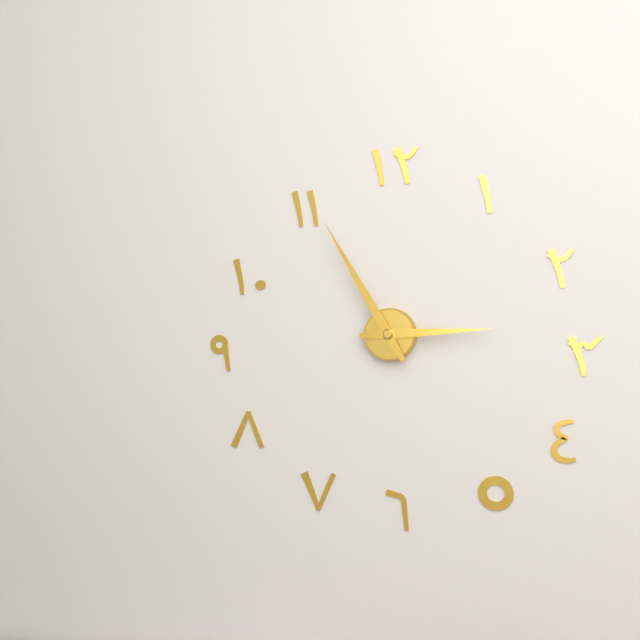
2:55
